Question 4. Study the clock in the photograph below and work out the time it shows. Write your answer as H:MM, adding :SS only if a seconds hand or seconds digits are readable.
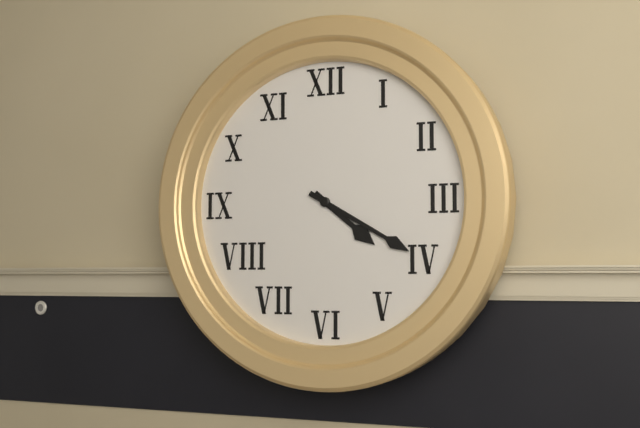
4:20
